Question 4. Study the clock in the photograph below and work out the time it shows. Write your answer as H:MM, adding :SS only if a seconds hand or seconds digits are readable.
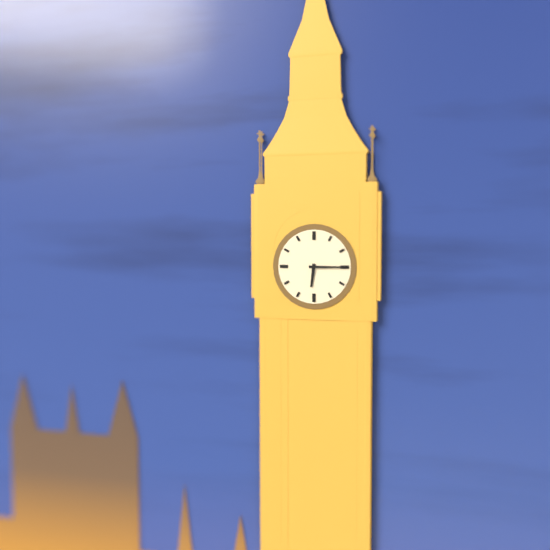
6:15
